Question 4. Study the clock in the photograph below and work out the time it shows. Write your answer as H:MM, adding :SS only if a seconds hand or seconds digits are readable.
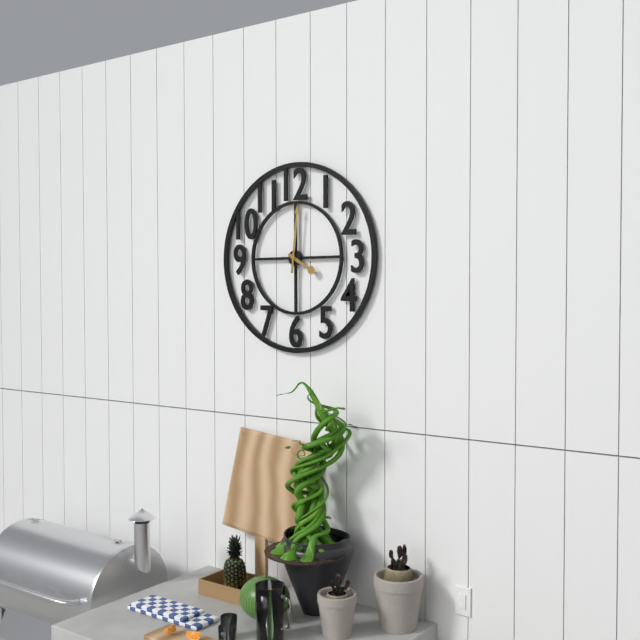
4:01
